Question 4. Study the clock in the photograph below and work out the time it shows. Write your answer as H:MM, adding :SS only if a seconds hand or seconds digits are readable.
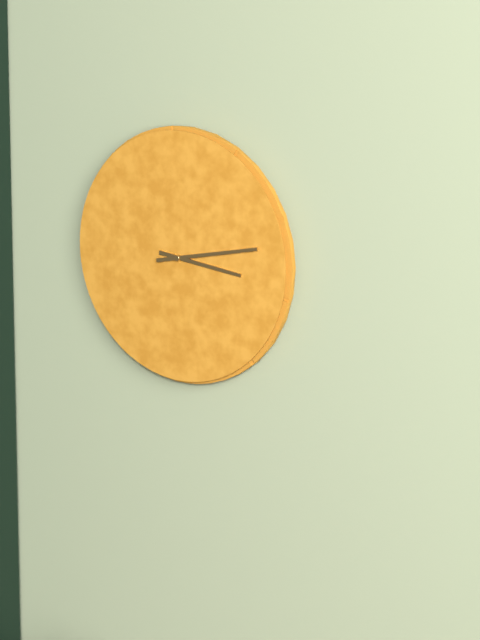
3:13
